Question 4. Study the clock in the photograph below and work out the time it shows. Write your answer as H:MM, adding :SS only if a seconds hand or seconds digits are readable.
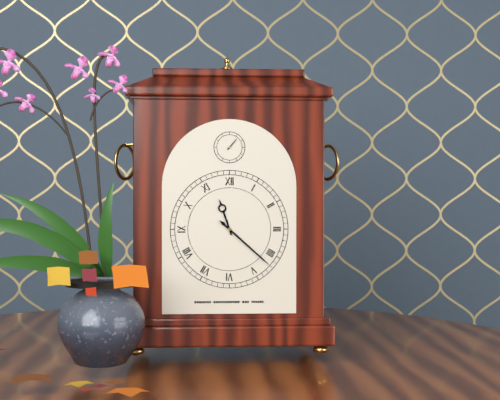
11:22
